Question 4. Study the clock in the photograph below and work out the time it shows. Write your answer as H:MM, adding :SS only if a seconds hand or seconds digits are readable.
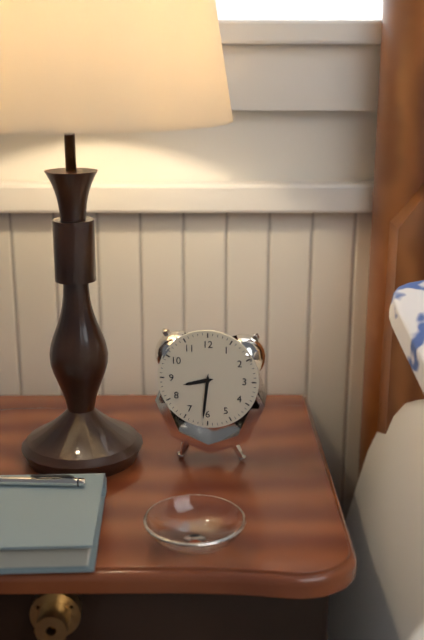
8:31
